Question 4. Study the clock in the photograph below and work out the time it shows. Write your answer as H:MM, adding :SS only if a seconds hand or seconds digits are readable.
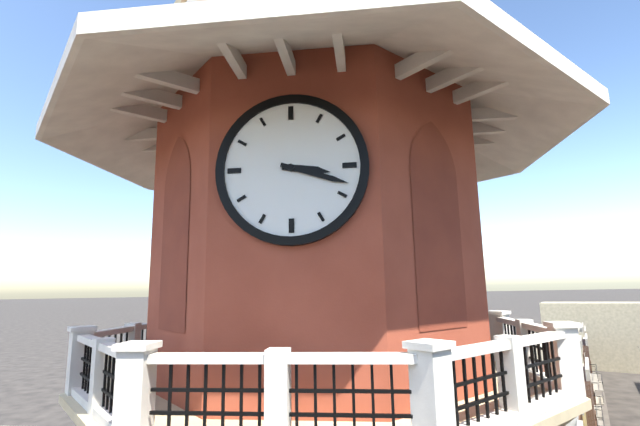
3:18
